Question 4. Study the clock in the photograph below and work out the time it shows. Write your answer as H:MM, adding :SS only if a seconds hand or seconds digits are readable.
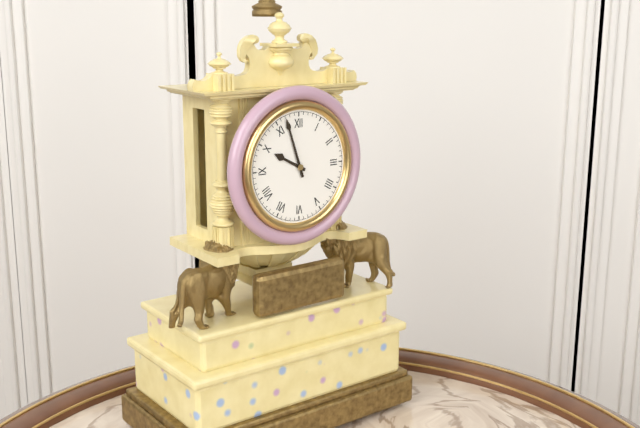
9:57
